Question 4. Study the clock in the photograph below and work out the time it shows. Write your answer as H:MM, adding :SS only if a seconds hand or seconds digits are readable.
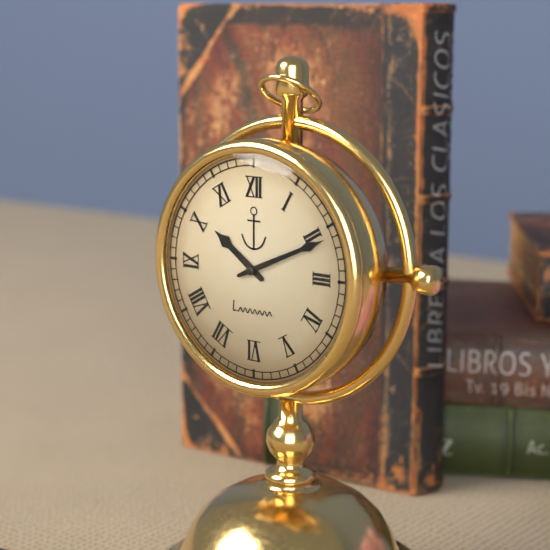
10:11
